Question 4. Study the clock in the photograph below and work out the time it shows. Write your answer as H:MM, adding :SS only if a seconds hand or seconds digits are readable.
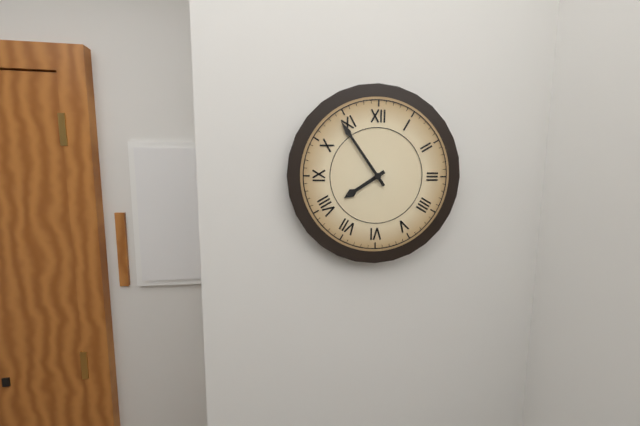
7:54
